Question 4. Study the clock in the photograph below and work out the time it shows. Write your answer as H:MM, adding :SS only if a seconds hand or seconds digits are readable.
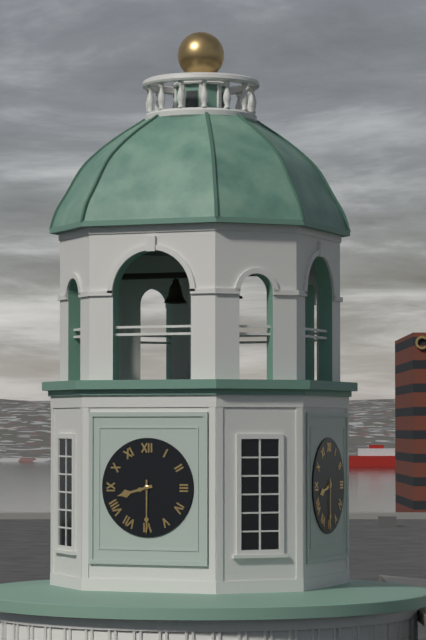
8:30
